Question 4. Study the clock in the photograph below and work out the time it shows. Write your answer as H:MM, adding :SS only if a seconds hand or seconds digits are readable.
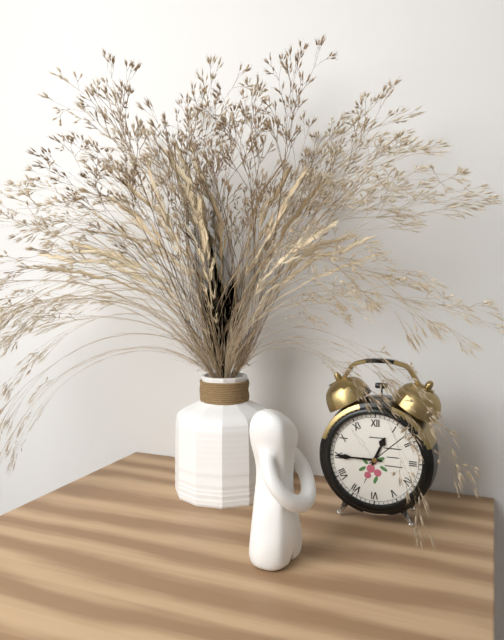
12:45
